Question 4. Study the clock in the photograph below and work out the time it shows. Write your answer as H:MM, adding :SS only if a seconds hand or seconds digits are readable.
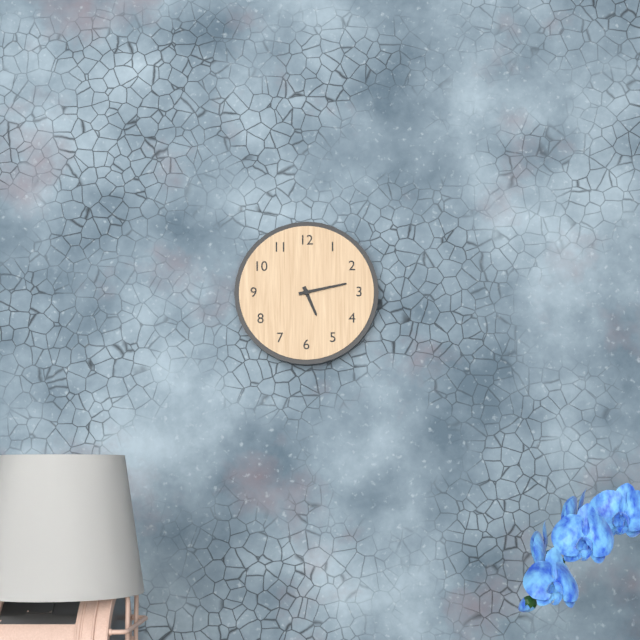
5:13
